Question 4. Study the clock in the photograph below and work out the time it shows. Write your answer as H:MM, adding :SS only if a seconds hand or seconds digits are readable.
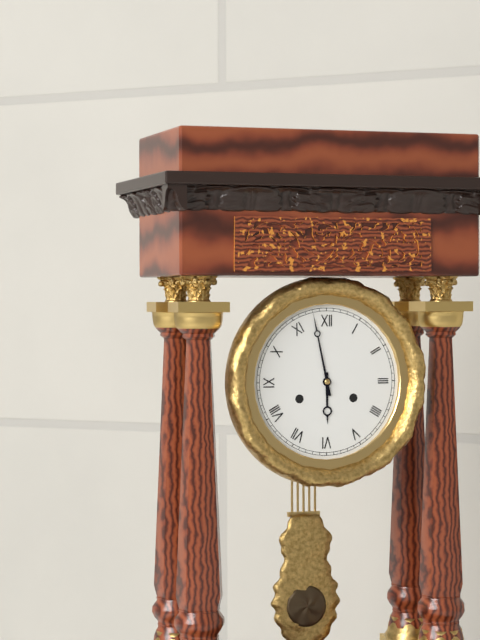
5:58
